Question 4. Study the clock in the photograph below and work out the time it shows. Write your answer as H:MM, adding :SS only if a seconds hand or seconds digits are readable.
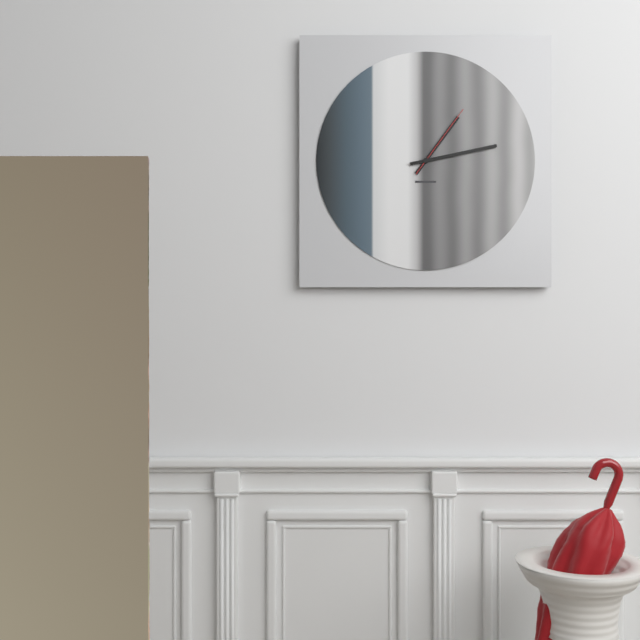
1:13:06
